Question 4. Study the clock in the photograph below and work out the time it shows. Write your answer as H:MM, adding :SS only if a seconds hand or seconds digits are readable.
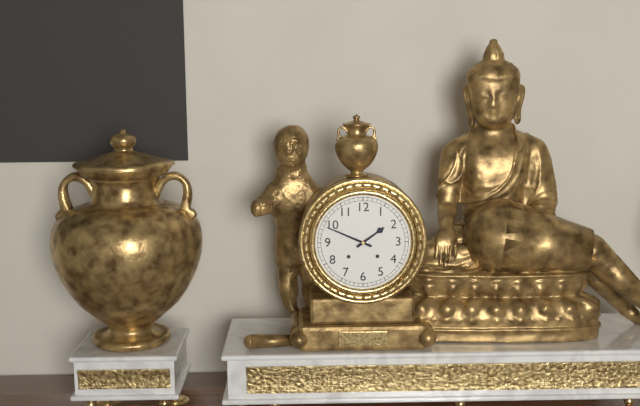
1:49
